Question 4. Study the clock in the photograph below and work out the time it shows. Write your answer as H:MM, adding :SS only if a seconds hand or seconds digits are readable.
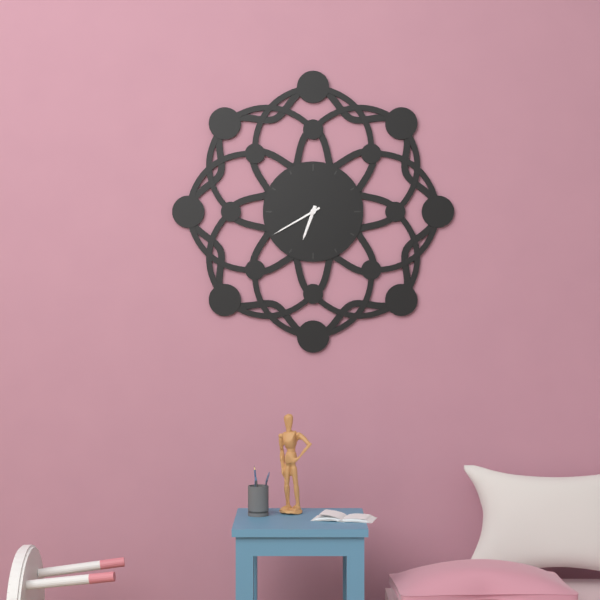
6:40
